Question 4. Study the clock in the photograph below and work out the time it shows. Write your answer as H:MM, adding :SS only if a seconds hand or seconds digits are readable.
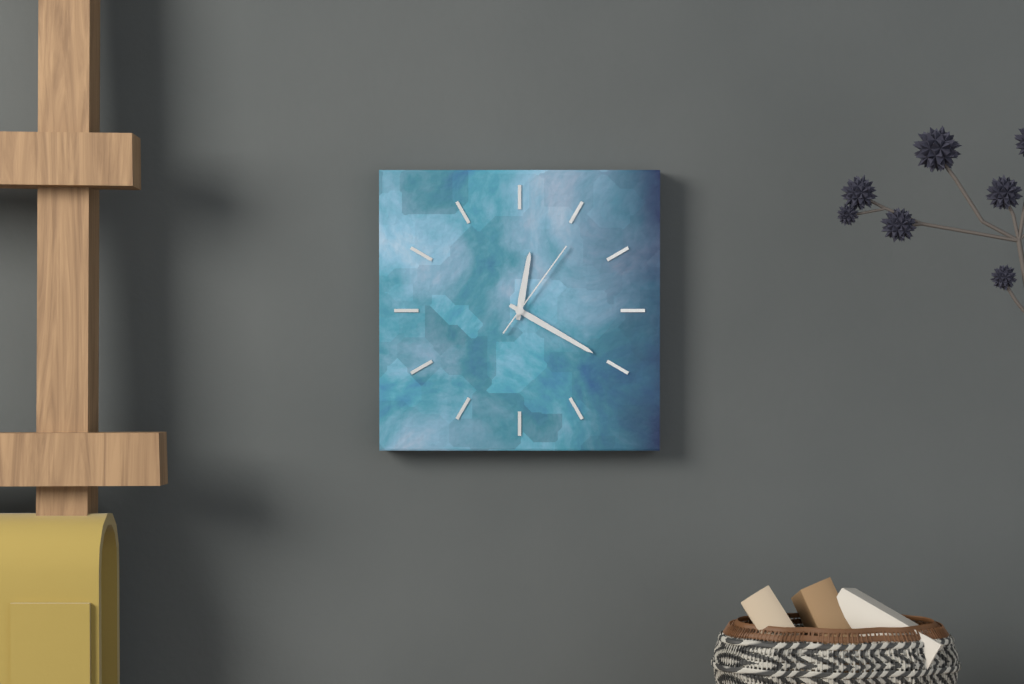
12:20:06
